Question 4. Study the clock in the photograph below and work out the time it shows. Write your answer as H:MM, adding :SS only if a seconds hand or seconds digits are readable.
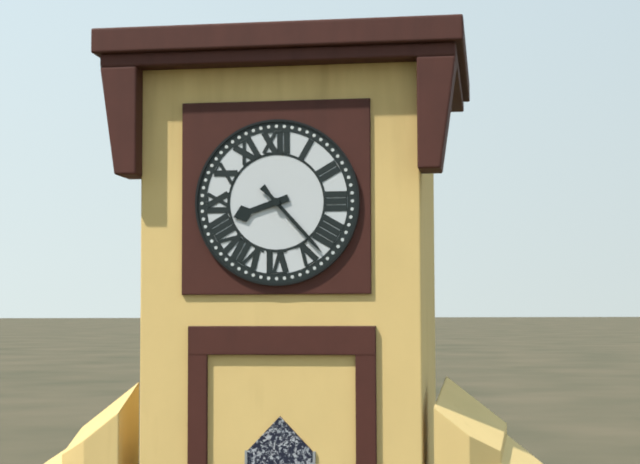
8:23
